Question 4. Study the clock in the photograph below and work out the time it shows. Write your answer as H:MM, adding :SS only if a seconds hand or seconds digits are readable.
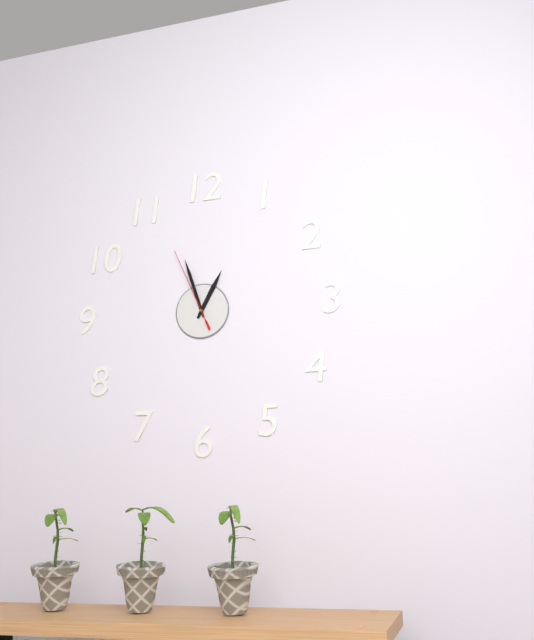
12:57:56
